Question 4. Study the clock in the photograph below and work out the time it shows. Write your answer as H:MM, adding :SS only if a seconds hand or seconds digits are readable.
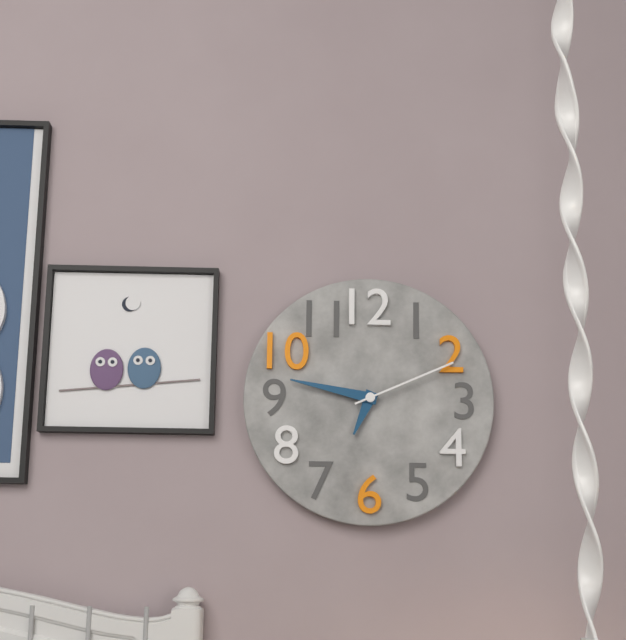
6:47:11
